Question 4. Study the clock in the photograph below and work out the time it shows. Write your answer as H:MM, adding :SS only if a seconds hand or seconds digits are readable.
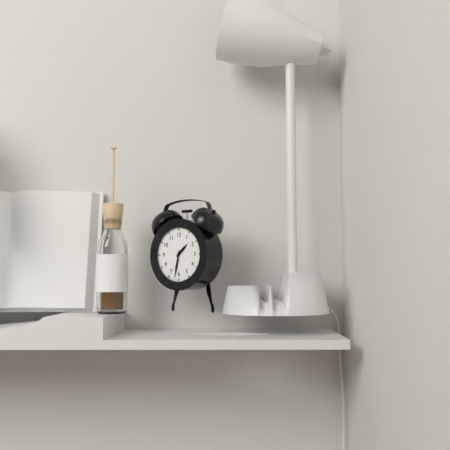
1:32
